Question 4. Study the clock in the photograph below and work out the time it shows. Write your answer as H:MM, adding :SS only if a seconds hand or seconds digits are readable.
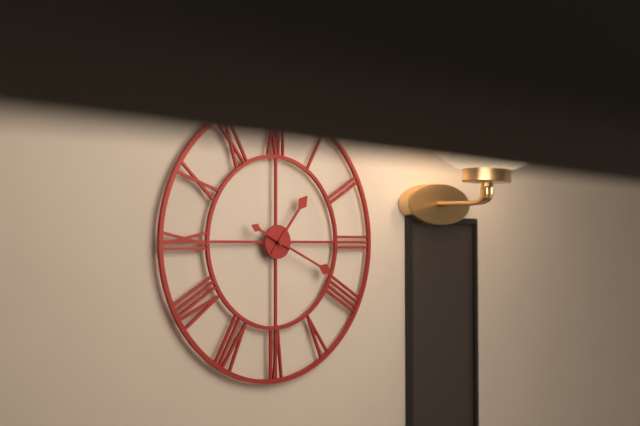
1:19
